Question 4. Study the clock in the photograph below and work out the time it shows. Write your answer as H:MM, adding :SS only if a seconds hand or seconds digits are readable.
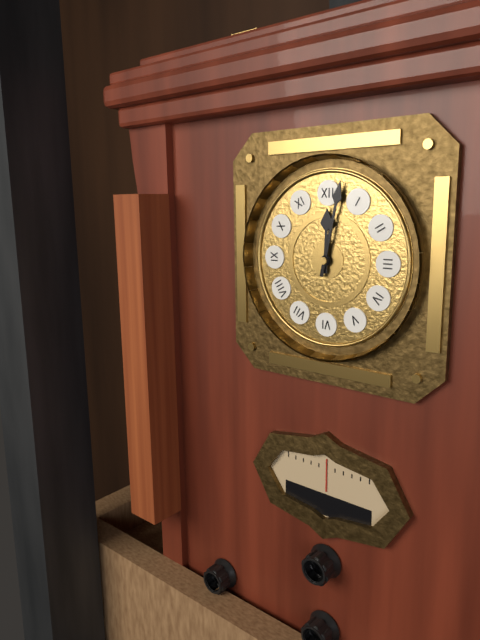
12:02
